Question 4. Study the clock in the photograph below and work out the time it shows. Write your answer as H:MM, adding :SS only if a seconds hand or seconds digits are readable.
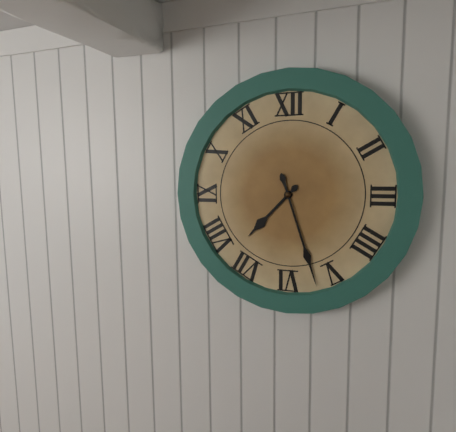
7:27
